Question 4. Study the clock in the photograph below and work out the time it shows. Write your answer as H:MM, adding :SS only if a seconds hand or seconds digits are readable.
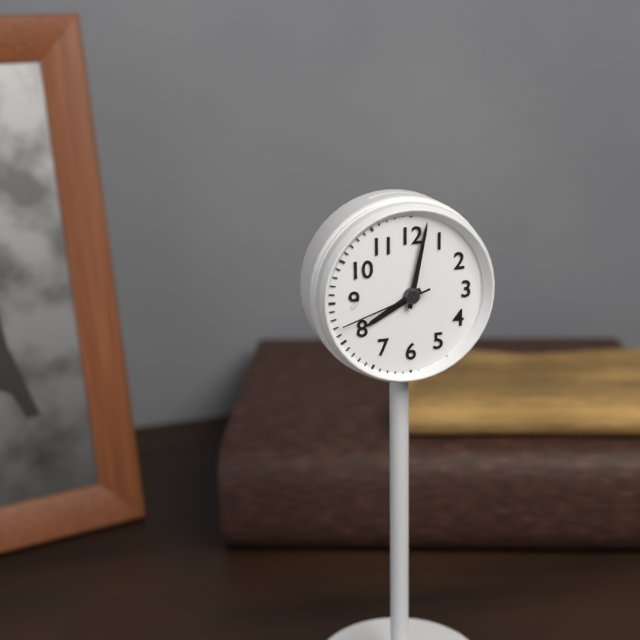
8:02:42
